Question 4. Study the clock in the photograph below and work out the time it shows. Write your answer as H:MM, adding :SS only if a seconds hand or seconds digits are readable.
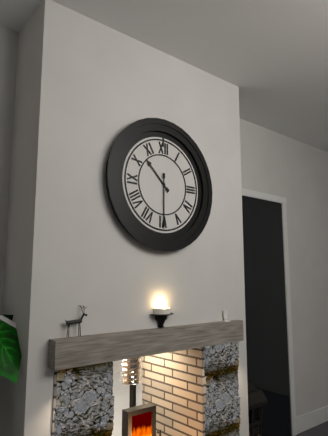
10:30
